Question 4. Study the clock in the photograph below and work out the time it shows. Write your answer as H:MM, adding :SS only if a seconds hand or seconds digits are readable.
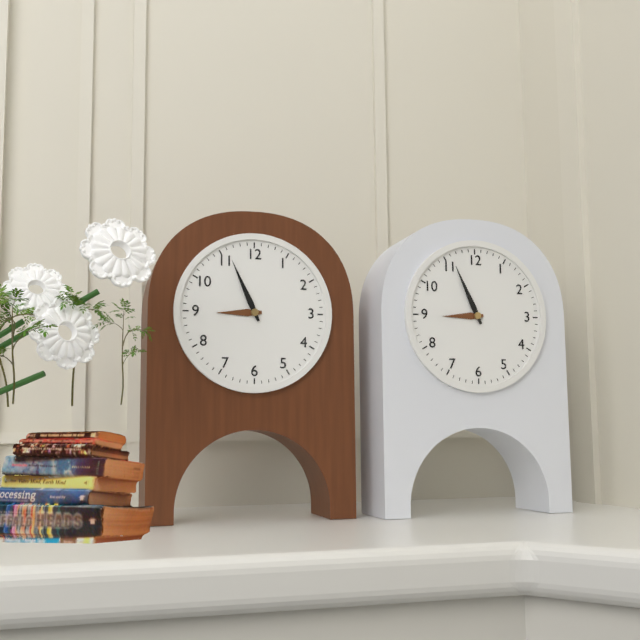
8:56
